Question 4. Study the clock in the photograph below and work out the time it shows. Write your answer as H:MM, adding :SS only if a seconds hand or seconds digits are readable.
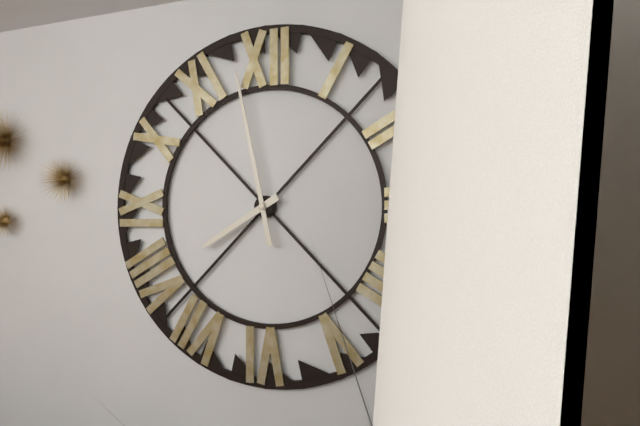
7:58
